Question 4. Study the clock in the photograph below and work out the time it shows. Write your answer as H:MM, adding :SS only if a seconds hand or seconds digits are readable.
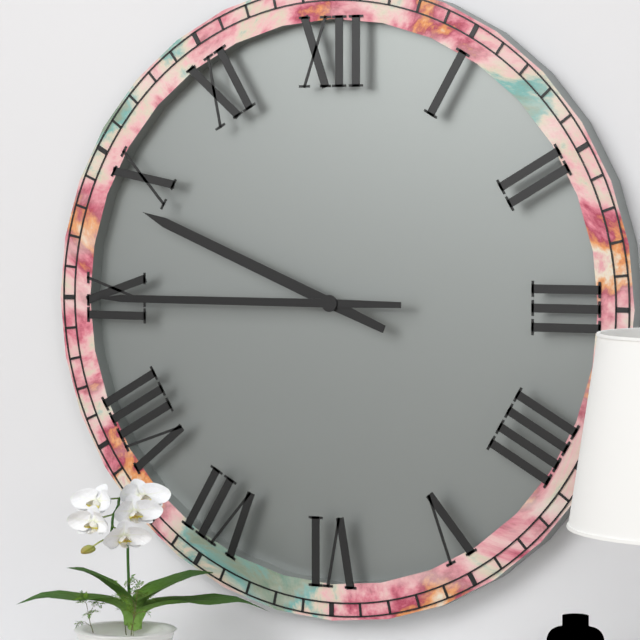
9:45
